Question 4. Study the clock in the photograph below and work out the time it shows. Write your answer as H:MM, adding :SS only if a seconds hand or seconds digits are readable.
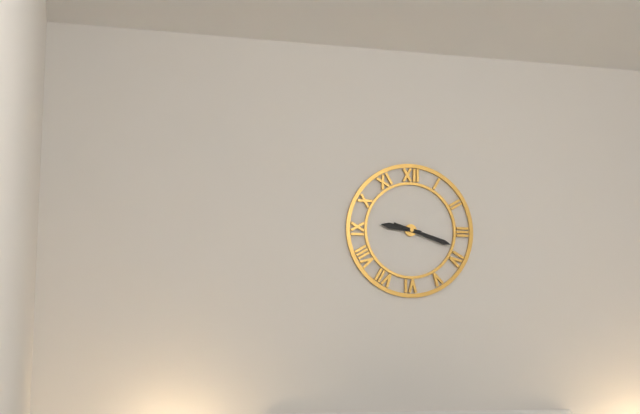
9:18
